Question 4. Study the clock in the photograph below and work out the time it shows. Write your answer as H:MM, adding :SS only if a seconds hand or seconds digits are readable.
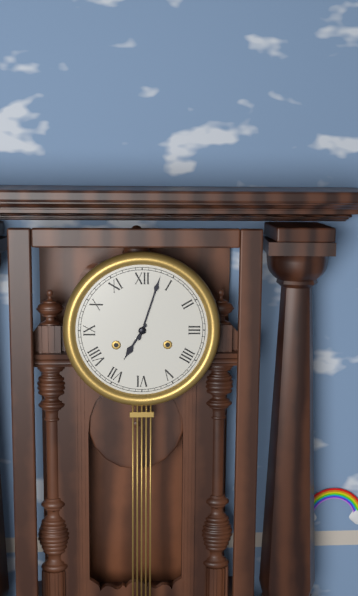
7:03
